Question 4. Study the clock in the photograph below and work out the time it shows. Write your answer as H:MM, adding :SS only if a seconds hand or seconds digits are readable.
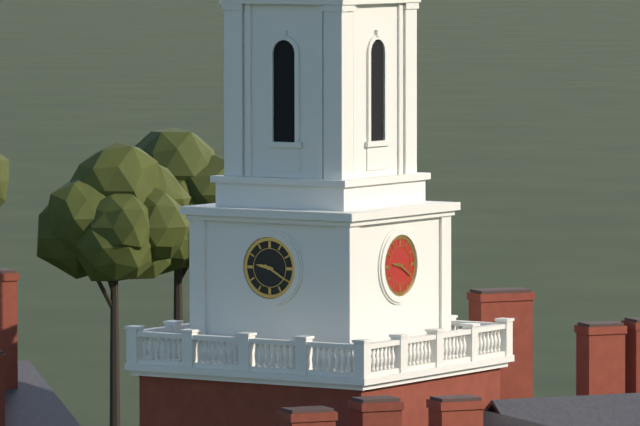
9:20
